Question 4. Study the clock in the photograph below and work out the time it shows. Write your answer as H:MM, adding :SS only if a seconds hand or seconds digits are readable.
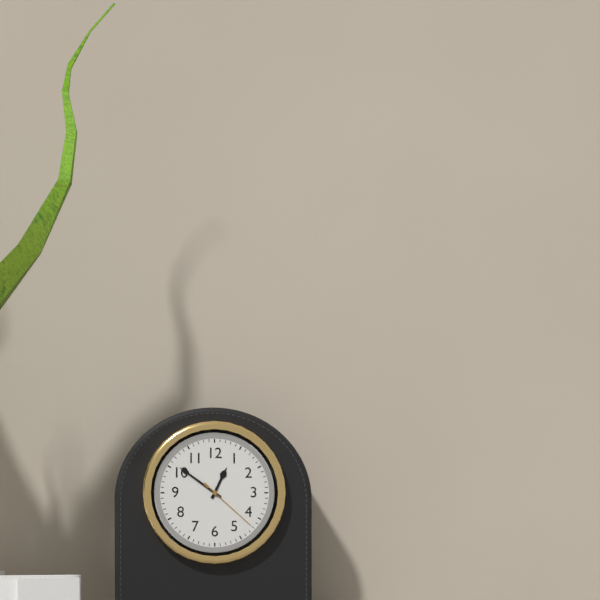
12:51:22
